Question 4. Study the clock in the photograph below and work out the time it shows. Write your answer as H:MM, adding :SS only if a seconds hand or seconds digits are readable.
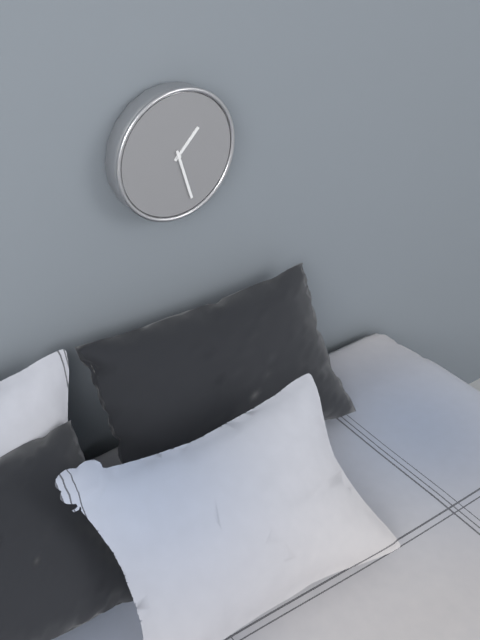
1:27
